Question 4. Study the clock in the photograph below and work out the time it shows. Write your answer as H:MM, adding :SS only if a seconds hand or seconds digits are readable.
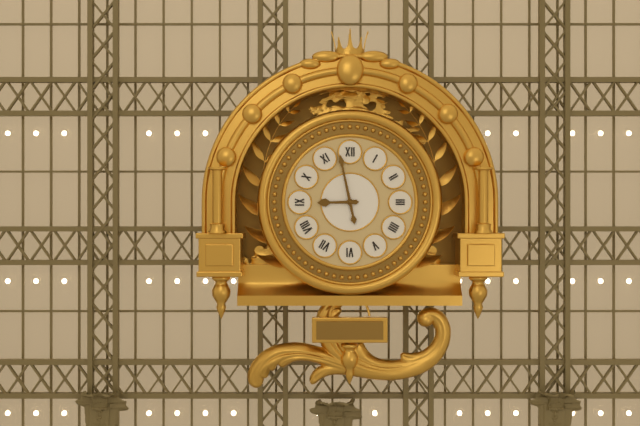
8:58
